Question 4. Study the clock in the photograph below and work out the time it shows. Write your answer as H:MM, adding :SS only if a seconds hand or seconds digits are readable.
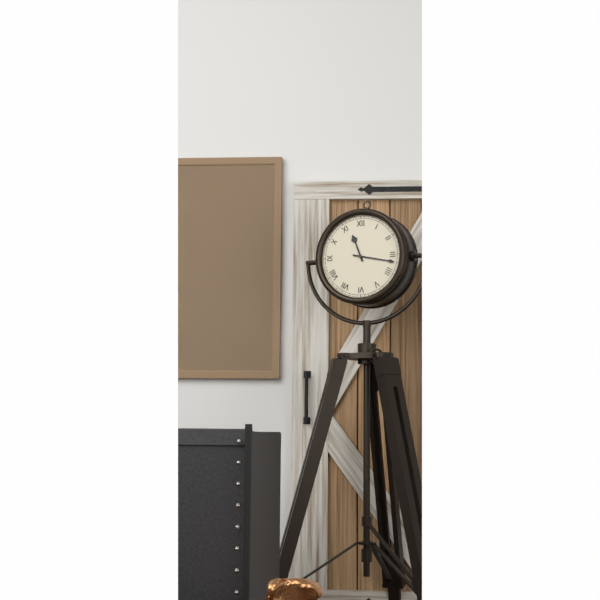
11:17
